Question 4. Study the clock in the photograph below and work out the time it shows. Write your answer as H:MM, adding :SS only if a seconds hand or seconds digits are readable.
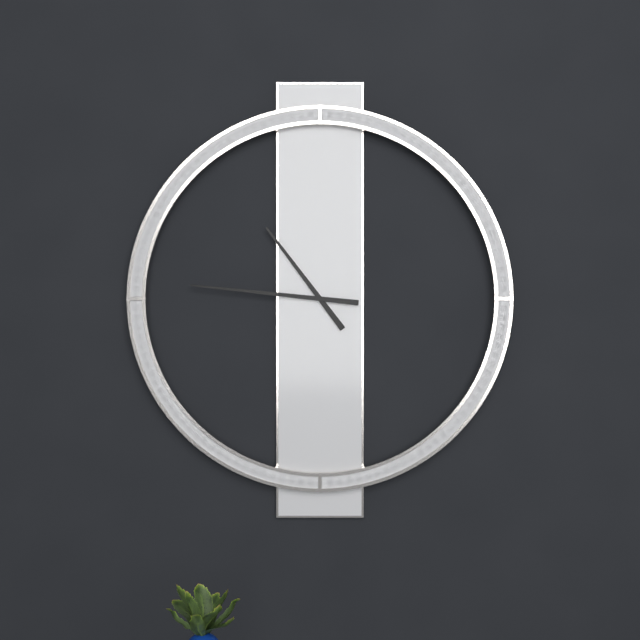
10:46
